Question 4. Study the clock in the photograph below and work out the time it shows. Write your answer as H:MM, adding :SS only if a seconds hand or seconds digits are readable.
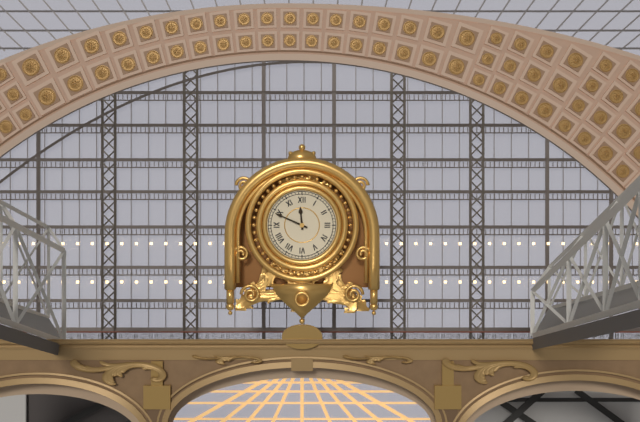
11:49
